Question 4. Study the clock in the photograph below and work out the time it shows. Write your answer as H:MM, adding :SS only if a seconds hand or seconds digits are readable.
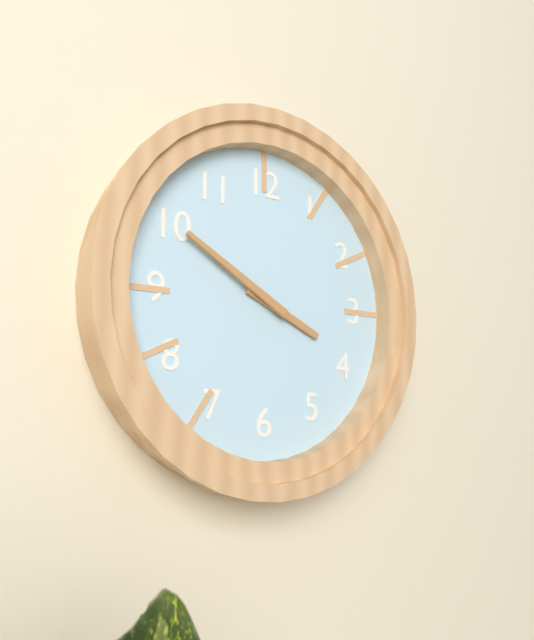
3:50
